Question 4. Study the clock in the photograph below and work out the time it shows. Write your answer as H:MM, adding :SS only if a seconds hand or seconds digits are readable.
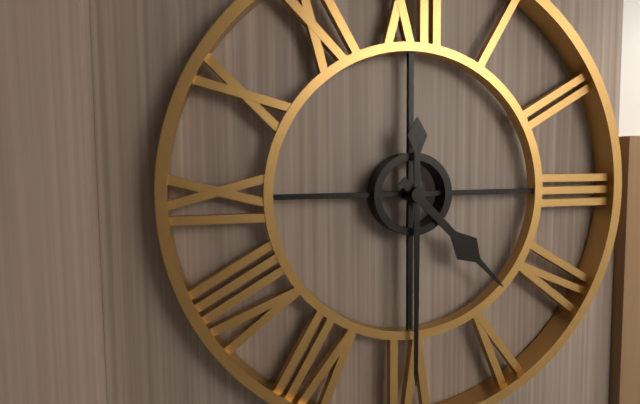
4:30
